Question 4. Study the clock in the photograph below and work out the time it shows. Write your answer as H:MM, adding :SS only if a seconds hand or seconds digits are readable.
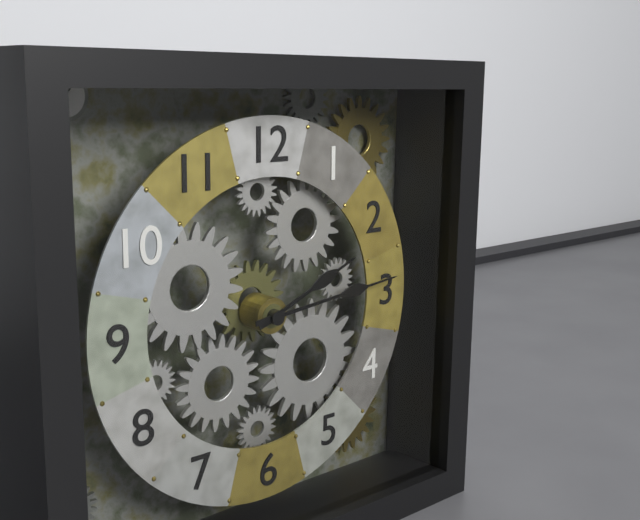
2:14
